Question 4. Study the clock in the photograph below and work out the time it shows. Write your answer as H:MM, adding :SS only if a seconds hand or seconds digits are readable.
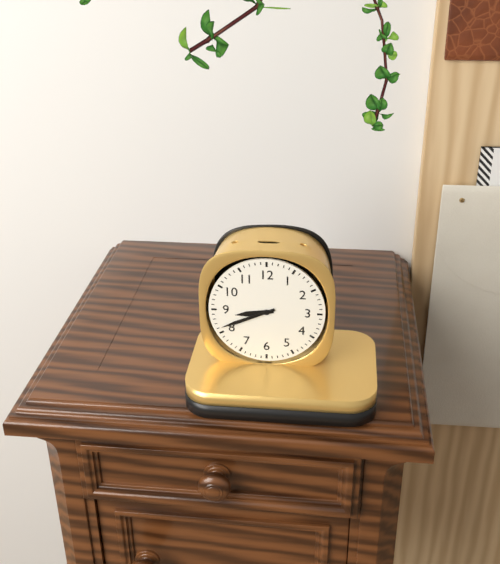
8:41
